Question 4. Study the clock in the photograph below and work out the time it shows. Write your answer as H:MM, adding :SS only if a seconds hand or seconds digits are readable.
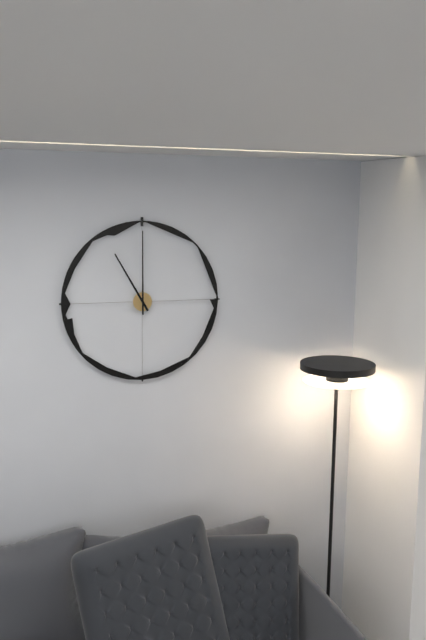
11:00
